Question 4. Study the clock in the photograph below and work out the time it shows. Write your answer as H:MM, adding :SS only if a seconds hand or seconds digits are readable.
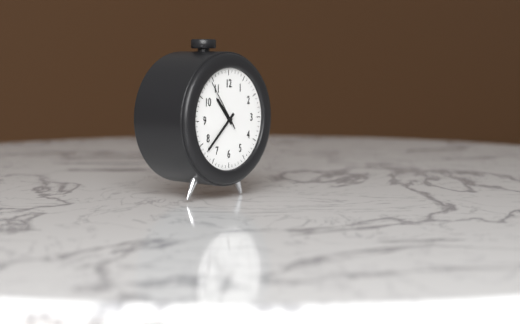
10:38:54
